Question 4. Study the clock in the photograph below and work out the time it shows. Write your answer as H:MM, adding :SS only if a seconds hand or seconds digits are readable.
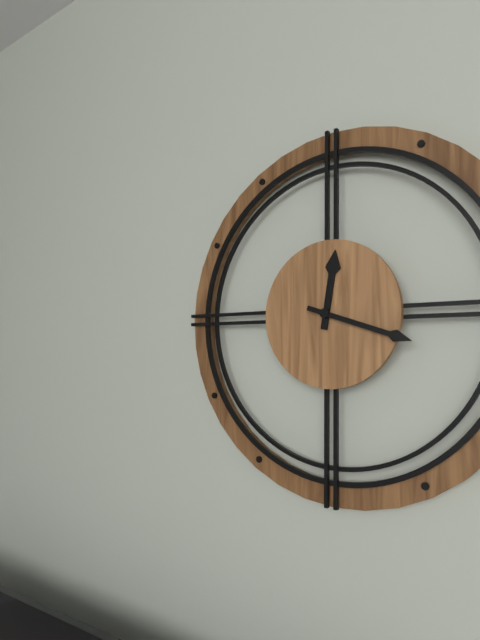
12:18
